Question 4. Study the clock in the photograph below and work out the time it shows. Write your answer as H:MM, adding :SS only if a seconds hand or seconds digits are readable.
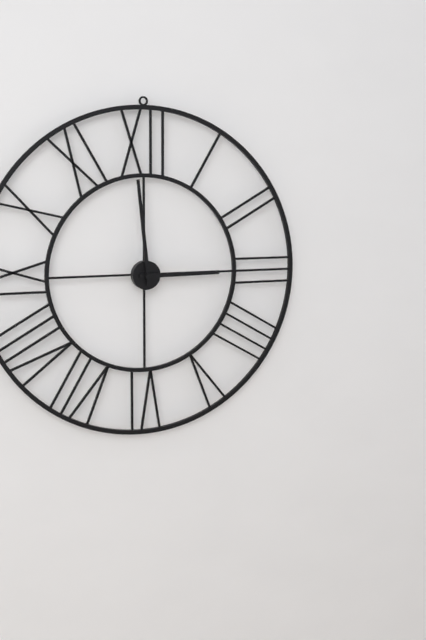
2:59
